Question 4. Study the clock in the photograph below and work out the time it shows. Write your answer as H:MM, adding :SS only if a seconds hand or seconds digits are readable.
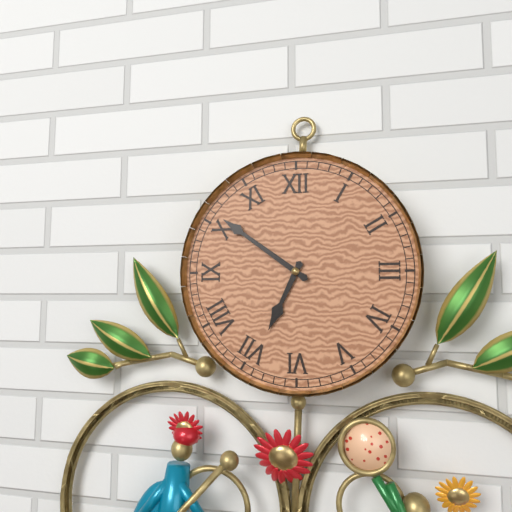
6:51
